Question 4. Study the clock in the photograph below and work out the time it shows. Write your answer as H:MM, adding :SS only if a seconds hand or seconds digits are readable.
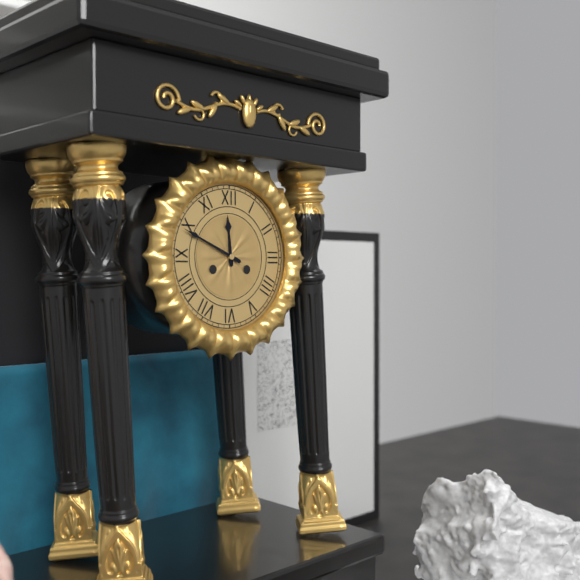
11:49
